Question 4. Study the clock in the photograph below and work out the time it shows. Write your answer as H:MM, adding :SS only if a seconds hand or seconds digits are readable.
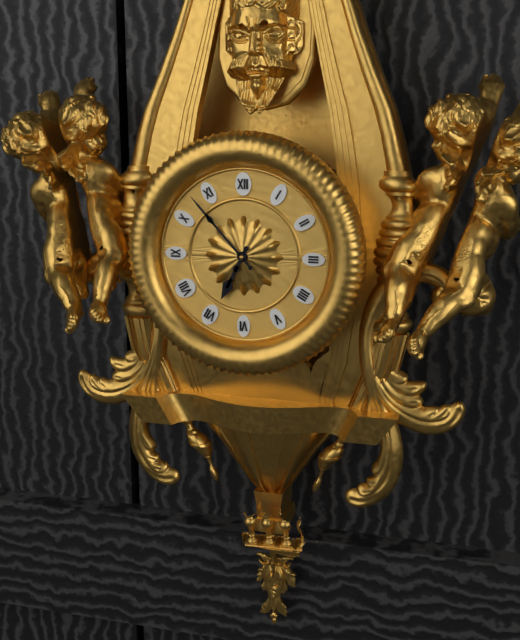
6:53
